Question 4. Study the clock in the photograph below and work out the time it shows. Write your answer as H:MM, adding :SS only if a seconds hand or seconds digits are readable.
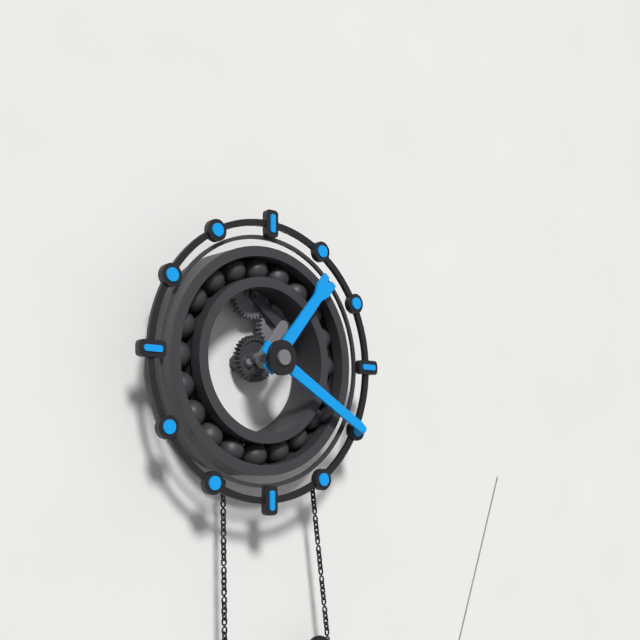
1:20
